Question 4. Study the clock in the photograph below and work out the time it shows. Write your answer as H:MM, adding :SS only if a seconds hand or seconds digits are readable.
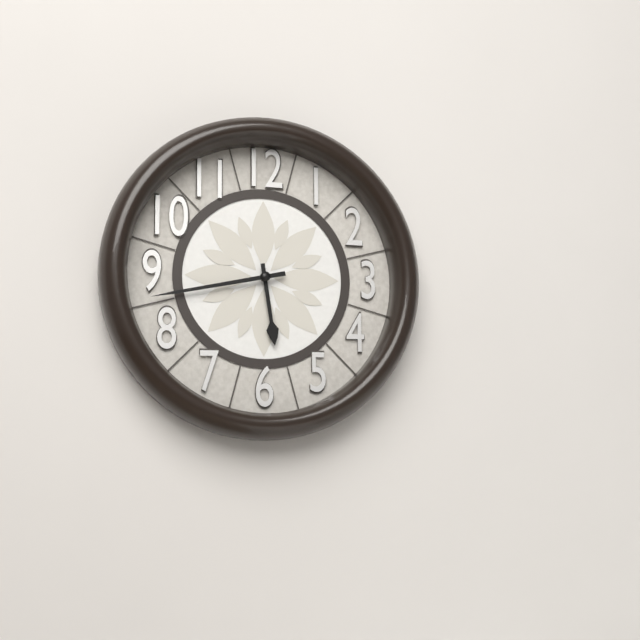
5:43
